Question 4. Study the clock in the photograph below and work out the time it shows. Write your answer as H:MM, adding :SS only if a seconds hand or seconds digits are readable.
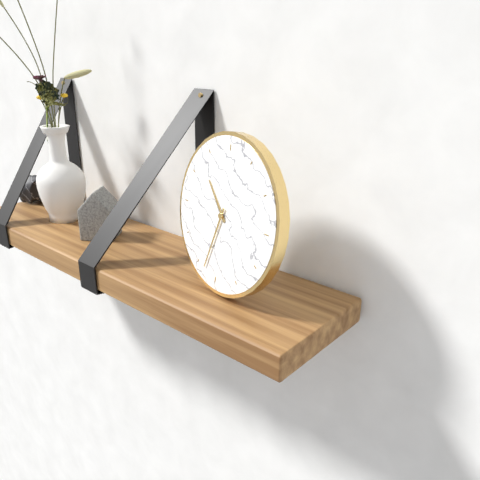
10:33
